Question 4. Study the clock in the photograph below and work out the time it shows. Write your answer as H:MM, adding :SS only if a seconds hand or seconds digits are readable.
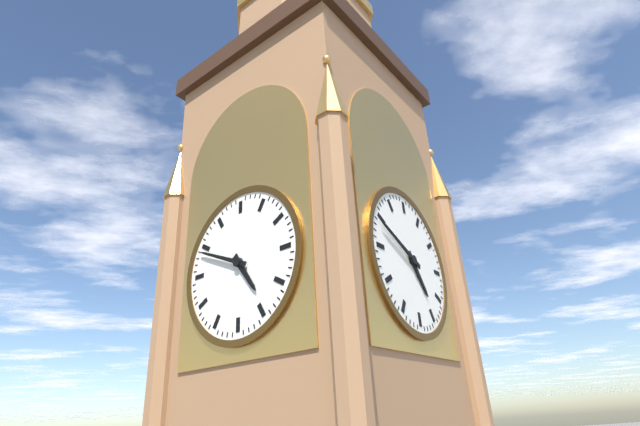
4:49
